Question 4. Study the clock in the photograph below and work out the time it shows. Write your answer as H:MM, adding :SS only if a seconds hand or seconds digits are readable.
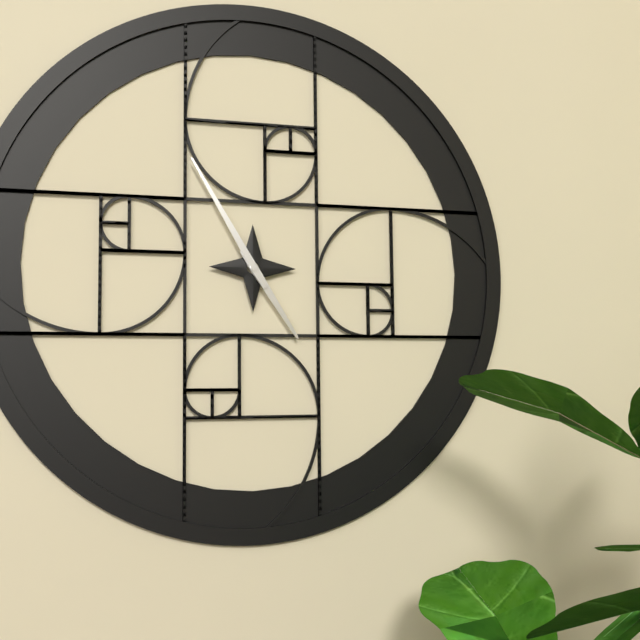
4:55
